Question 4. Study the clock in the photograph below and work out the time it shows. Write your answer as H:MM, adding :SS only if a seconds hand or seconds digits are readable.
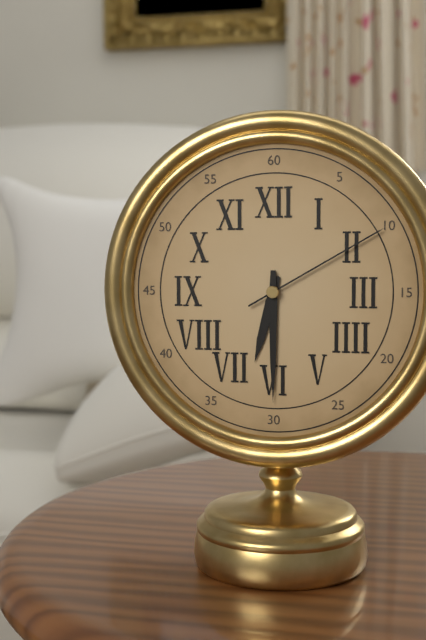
6:30:10
